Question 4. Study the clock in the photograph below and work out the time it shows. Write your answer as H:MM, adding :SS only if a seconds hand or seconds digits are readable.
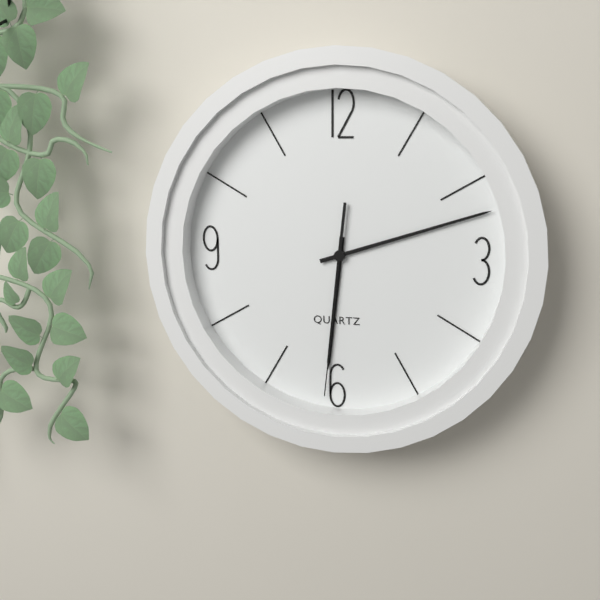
6:12:31
